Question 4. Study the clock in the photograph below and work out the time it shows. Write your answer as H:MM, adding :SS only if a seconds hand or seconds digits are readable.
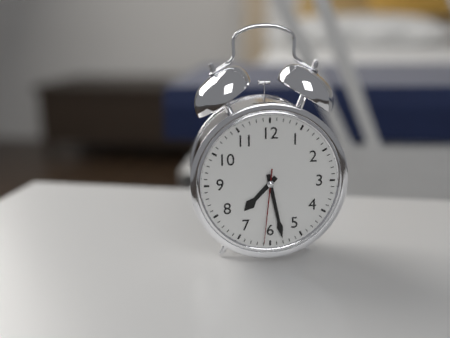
7:28:31
